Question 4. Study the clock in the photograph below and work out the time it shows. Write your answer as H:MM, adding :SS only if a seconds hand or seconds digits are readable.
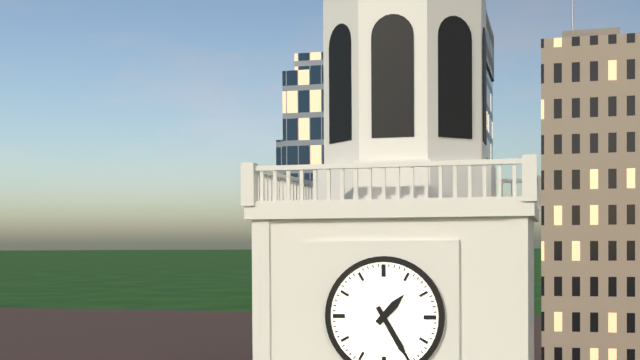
1:25
